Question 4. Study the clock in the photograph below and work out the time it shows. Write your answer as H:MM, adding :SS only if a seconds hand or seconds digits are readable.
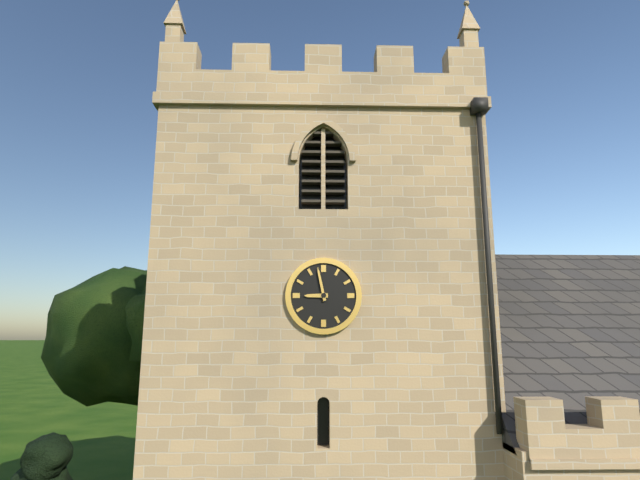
8:58
